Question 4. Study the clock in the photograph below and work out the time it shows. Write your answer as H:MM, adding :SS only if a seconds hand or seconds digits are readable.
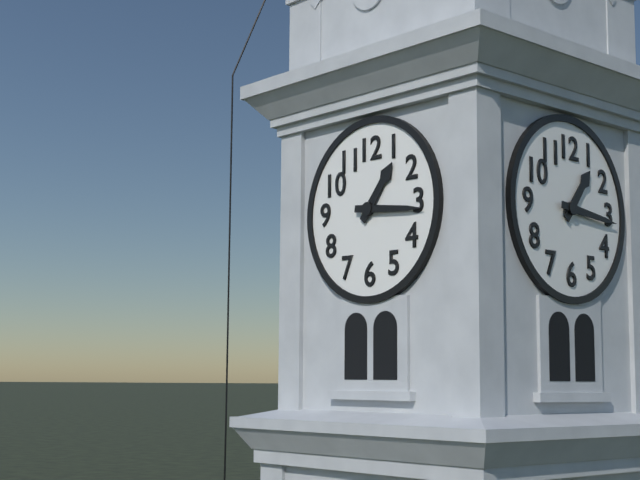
1:16
